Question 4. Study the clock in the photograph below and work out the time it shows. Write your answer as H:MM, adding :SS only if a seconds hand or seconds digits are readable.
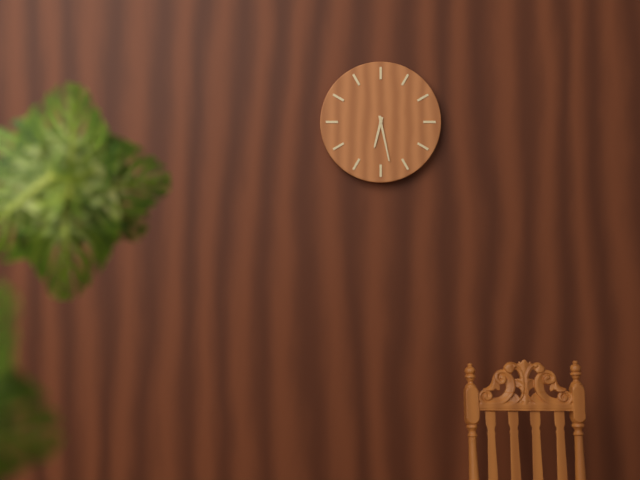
6:28
